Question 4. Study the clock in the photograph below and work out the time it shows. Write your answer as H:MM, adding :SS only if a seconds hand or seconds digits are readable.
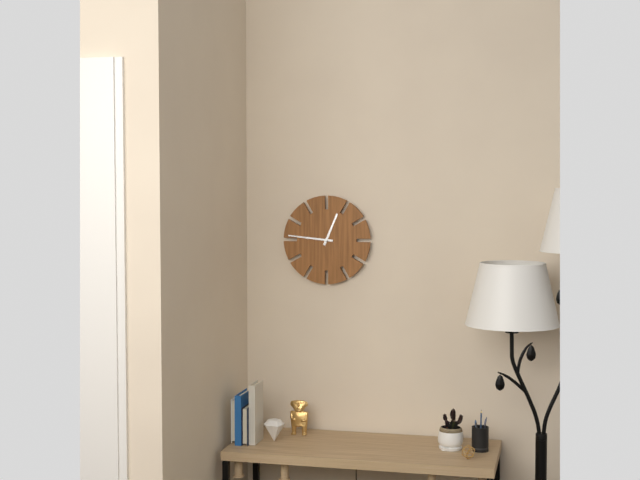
12:46
